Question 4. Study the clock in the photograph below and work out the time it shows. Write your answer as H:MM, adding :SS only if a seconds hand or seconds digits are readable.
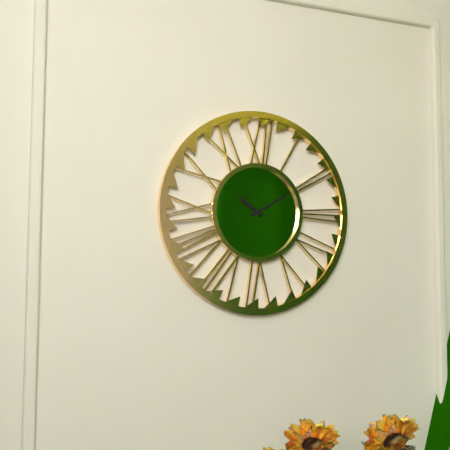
10:10
